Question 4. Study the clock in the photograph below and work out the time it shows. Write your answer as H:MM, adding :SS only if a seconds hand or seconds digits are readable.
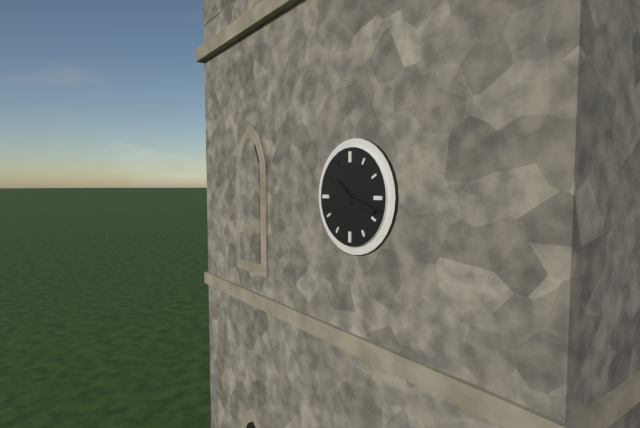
10:18
